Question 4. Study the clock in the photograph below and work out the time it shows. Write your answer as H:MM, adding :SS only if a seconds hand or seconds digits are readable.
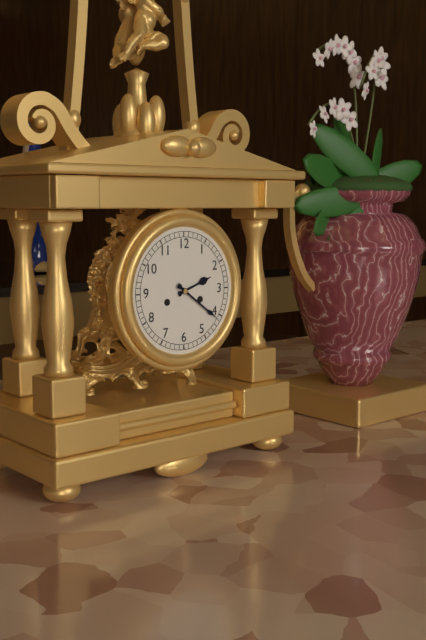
2:21
